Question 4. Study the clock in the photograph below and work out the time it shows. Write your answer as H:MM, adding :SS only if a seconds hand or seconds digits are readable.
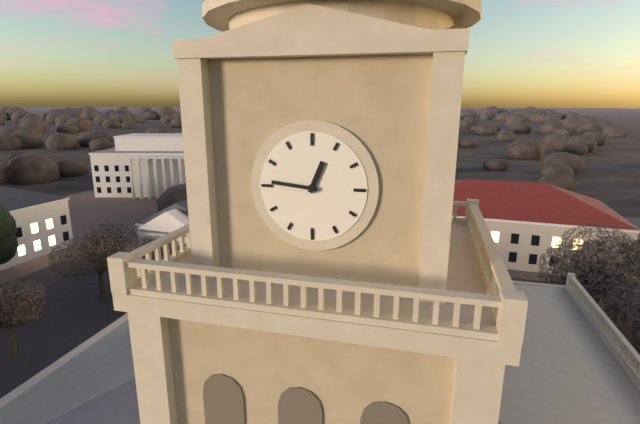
12:46
